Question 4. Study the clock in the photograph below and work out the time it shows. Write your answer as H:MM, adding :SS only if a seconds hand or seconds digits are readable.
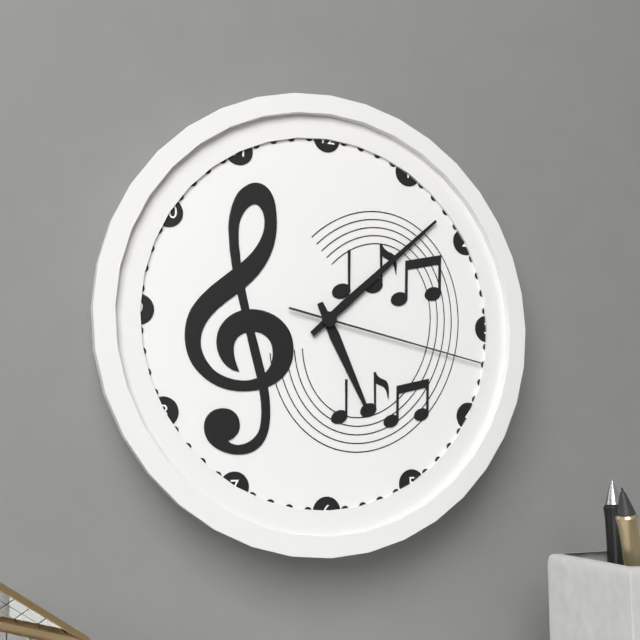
5:08:17
